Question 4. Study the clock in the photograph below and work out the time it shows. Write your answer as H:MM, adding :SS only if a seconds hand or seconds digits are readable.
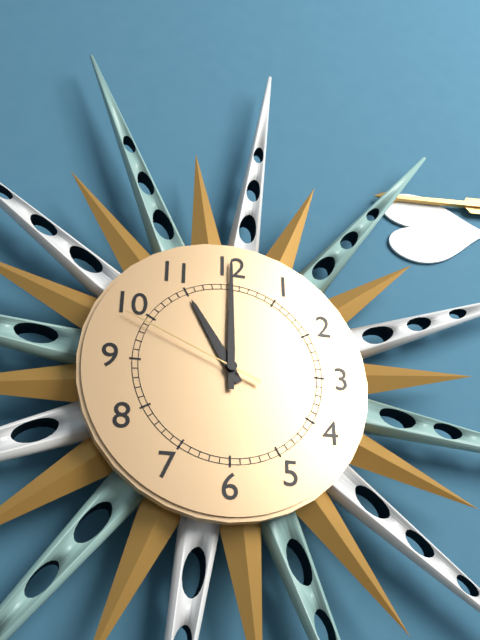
11:00:49
